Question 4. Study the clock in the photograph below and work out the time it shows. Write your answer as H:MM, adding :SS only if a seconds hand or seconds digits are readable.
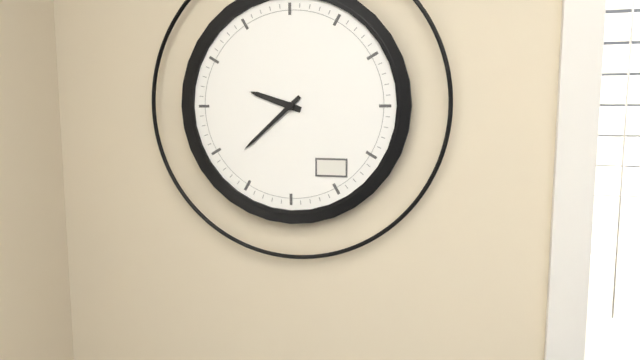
9:38
